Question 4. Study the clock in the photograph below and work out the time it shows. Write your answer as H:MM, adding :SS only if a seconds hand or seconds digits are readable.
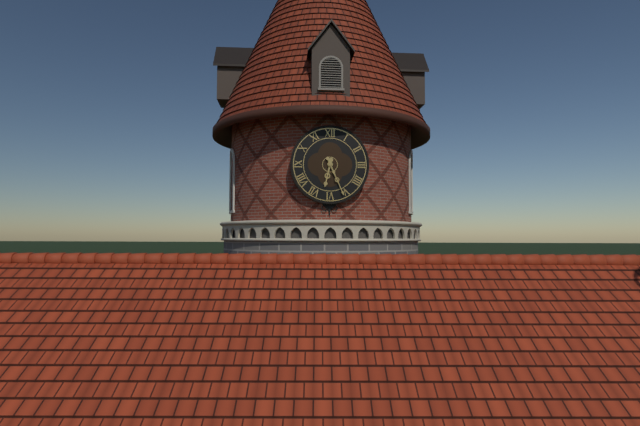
6:26
